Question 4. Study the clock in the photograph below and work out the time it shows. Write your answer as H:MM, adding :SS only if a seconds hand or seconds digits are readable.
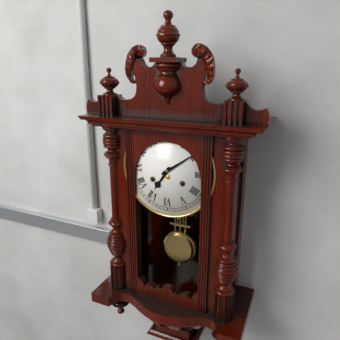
7:09
